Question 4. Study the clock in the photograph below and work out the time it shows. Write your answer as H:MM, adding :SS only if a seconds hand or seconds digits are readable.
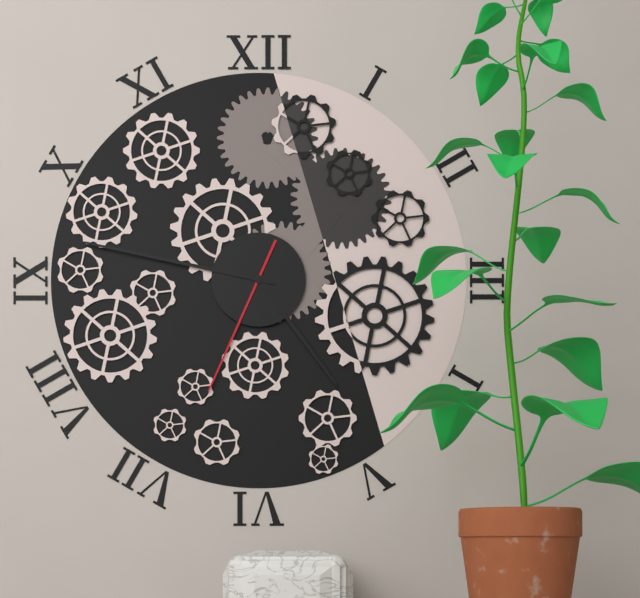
4:47:34
